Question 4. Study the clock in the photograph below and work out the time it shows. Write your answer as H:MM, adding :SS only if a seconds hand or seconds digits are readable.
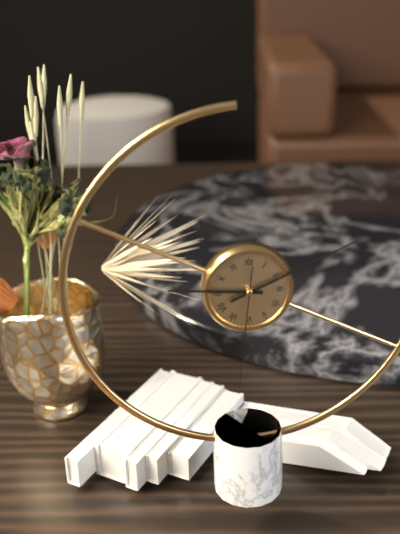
9:11:31
